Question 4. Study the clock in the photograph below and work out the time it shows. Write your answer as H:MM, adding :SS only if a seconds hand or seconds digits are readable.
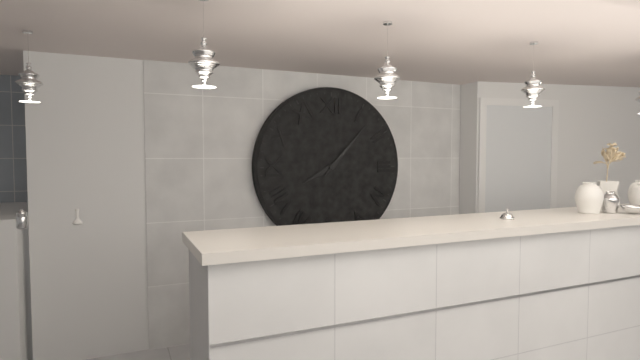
8:07
